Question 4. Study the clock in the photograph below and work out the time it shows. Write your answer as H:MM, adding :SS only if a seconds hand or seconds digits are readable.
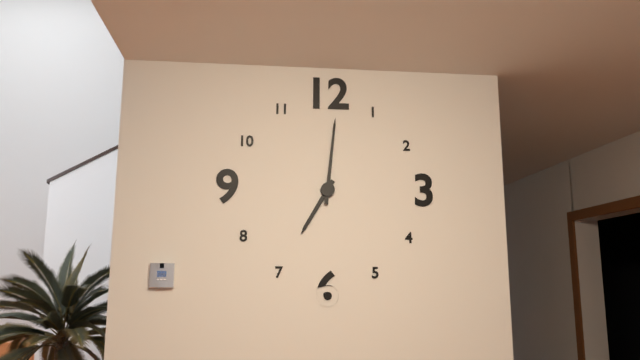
7:01
